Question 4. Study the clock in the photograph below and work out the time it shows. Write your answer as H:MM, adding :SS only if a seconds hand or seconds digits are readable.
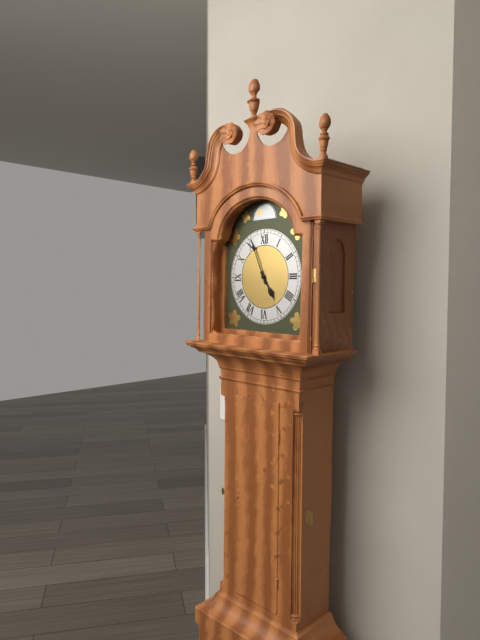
4:56
